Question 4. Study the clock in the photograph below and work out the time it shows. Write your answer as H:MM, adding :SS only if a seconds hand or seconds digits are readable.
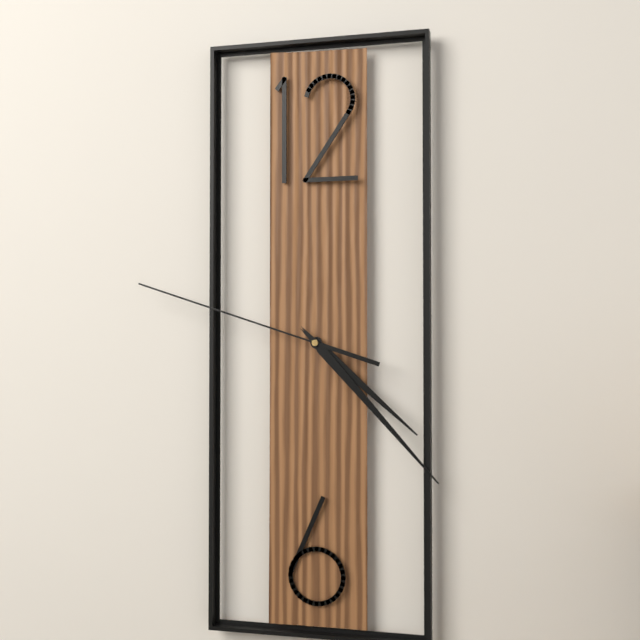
4:23:48
